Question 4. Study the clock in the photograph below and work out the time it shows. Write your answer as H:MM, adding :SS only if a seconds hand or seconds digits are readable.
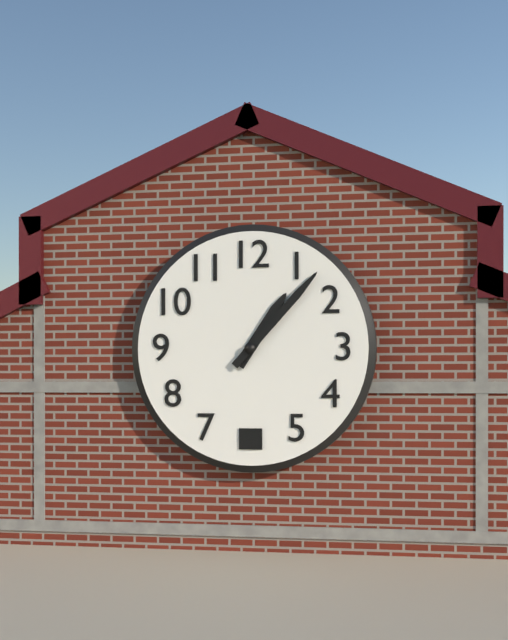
1:07
